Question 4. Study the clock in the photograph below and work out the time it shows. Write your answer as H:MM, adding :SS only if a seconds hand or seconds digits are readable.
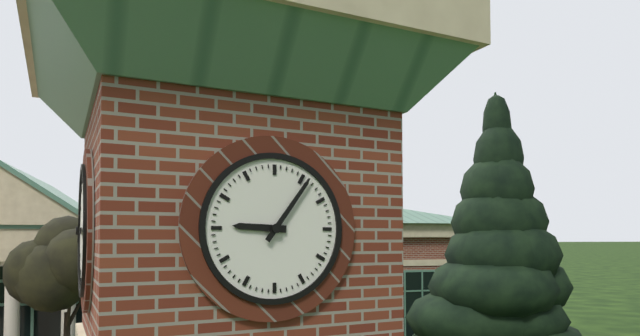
9:06
